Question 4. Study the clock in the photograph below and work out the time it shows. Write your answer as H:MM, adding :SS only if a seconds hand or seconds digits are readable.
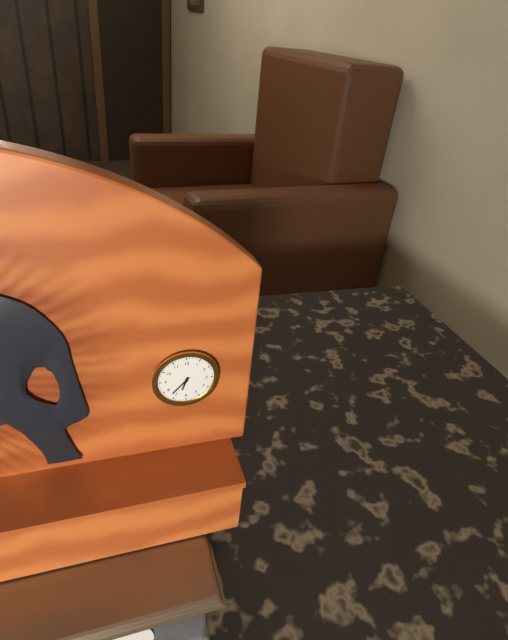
6:37
